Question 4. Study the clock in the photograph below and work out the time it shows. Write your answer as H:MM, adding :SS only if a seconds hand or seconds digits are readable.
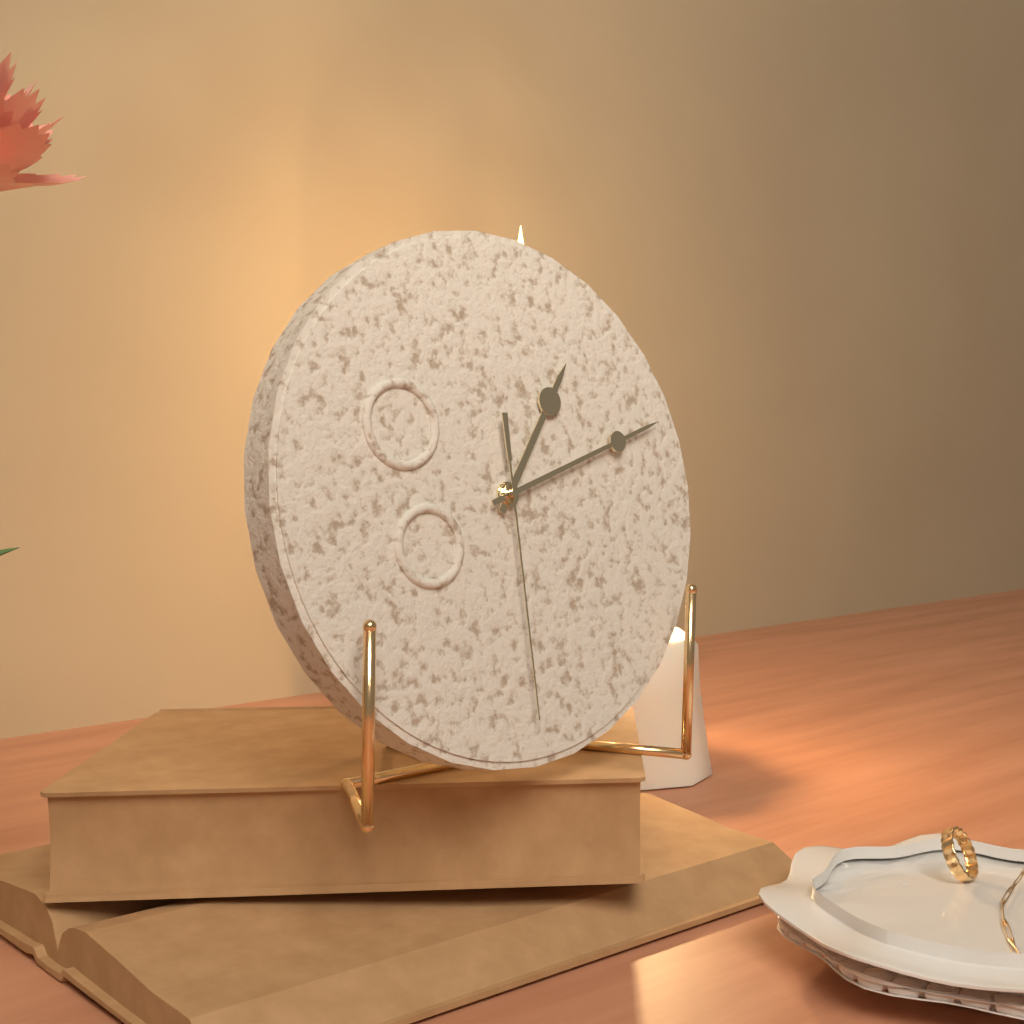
1:12:30
